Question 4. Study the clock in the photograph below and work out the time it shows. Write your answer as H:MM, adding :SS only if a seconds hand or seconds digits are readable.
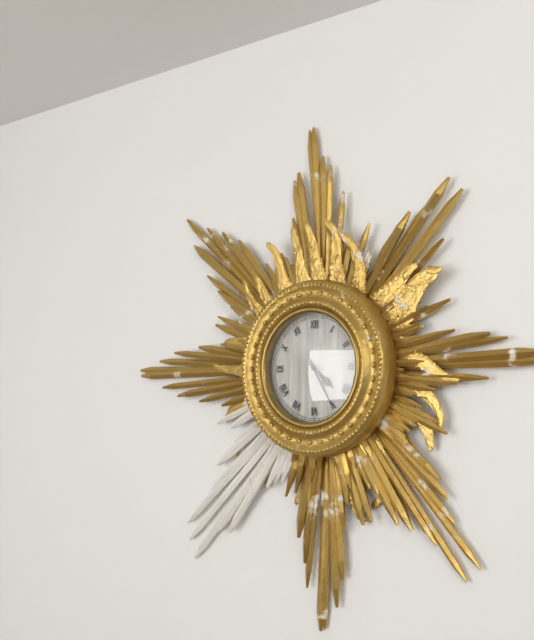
4:25
